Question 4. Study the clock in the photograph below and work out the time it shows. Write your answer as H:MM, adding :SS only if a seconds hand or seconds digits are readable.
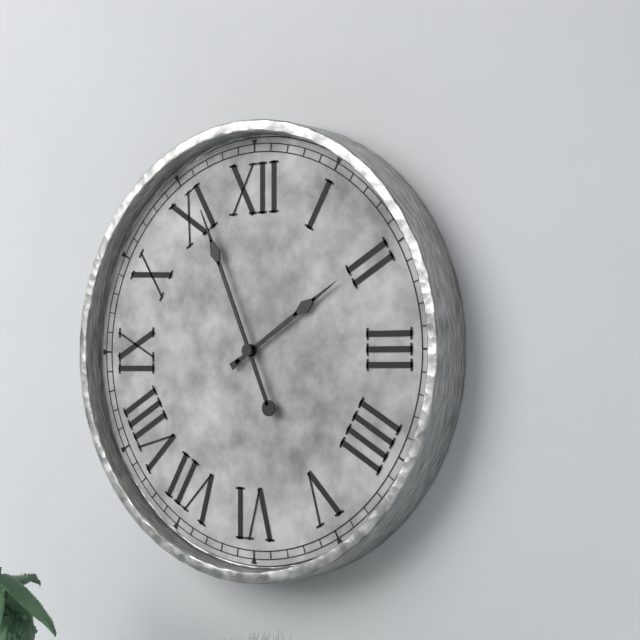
1:56
